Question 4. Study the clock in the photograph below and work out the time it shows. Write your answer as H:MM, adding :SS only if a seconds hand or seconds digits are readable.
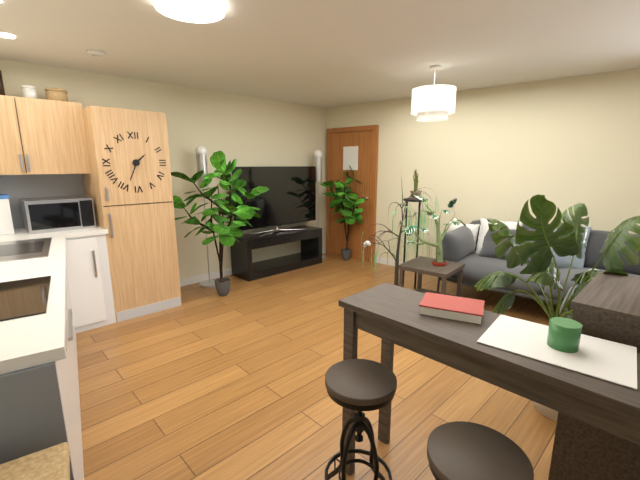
1:34
